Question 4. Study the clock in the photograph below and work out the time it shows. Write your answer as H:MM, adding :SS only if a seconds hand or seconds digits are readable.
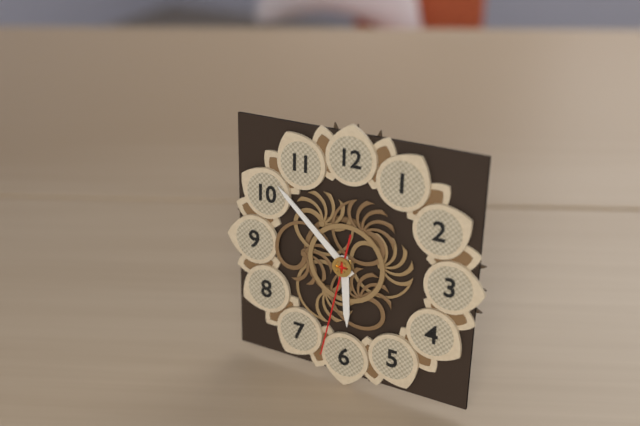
5:52:32
